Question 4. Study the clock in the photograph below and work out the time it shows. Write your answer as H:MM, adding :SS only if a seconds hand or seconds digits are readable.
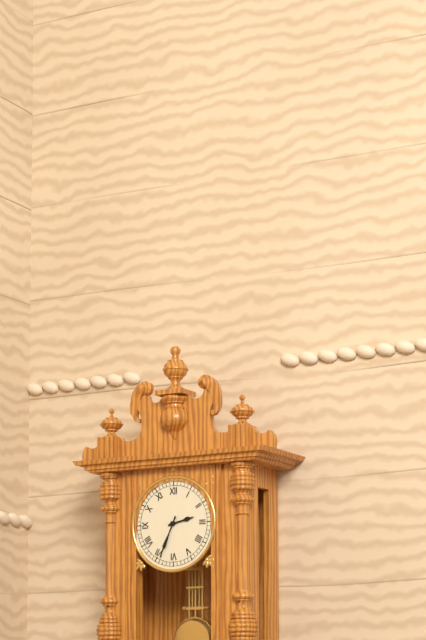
2:34
